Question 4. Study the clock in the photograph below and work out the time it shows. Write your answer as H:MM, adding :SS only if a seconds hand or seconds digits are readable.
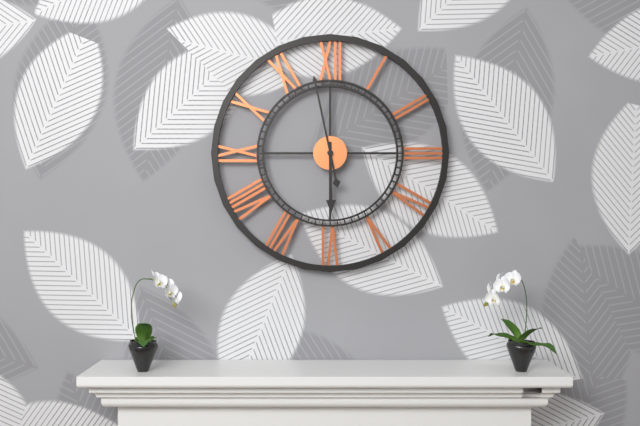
5:58
